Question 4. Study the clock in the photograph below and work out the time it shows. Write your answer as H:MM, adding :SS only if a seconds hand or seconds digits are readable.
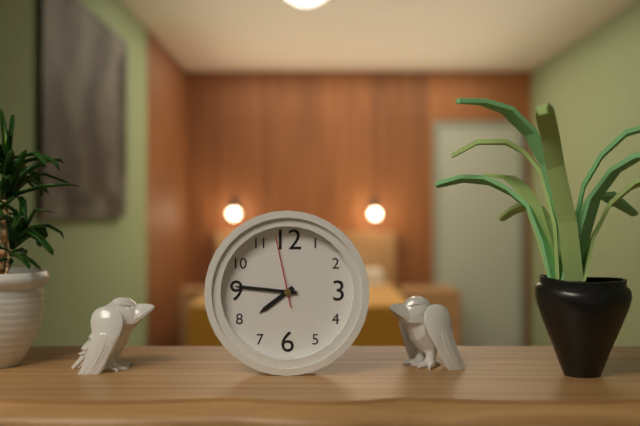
7:46:58
